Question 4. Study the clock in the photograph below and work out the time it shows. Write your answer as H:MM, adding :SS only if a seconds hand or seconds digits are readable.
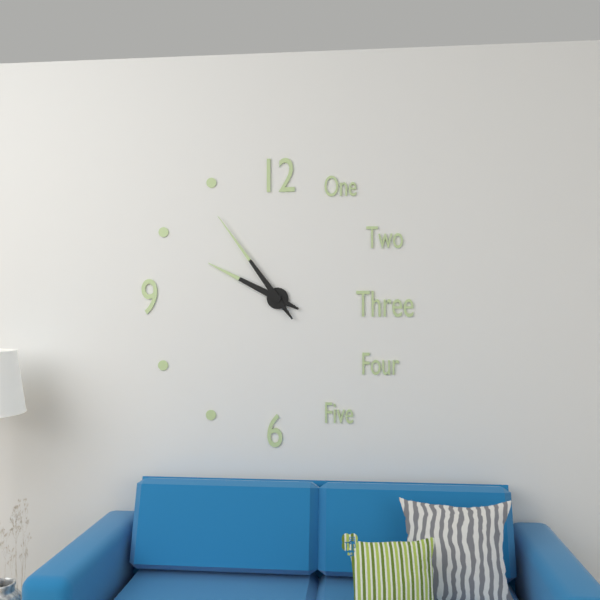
9:54
